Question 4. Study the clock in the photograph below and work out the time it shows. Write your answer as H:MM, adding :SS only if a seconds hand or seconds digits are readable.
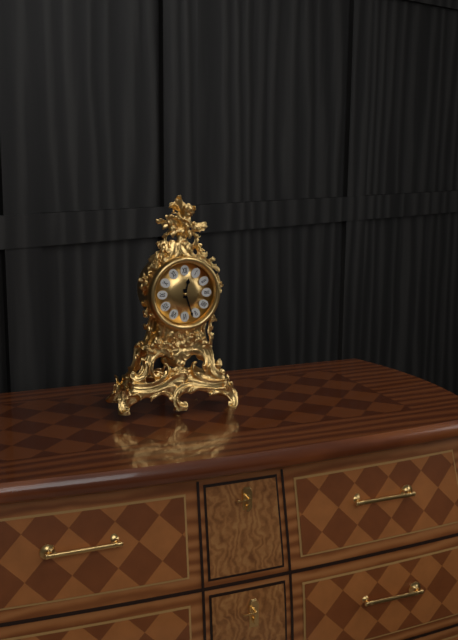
12:27
